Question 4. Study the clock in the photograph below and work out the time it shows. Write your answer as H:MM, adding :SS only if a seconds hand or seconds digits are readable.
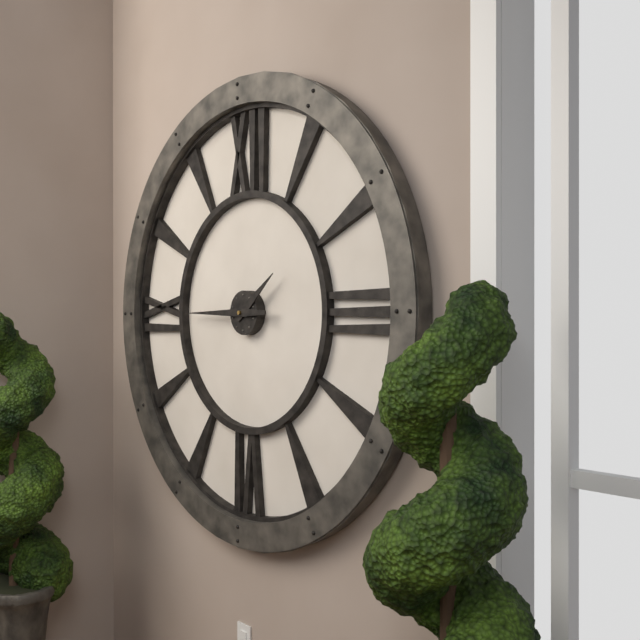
1:45
